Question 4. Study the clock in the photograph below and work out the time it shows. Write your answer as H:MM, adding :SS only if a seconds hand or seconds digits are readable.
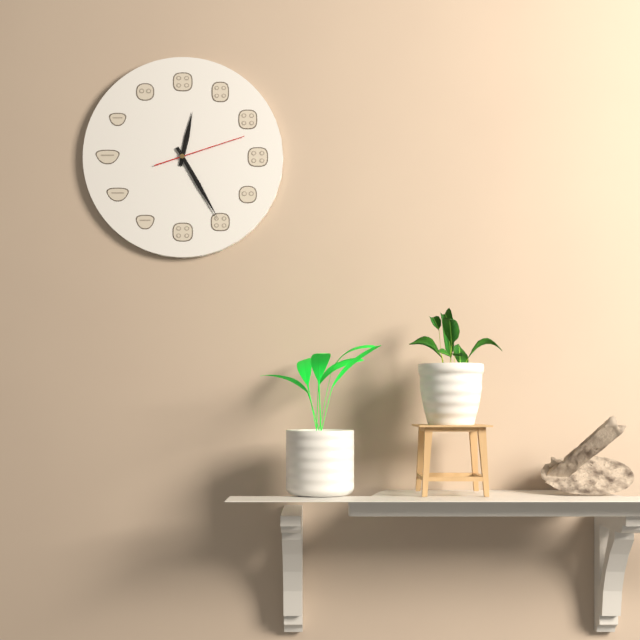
12:25:12
